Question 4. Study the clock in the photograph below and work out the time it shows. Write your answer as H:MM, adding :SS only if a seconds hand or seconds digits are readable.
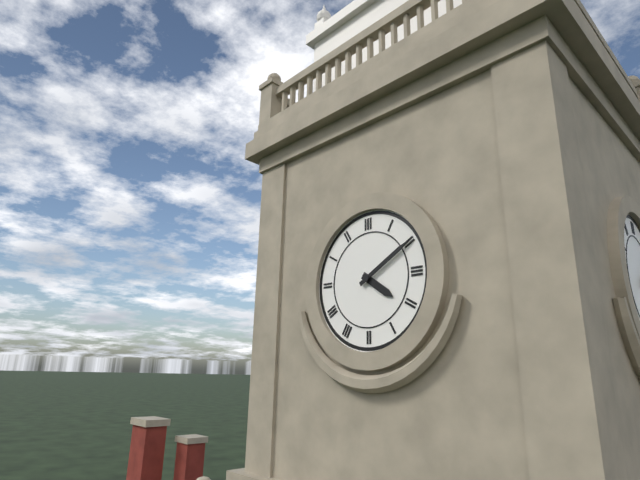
4:10
